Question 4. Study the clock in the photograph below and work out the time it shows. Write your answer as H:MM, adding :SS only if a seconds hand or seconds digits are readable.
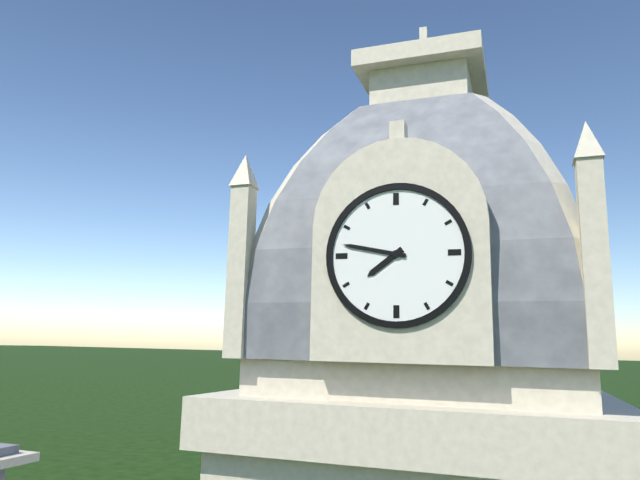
7:47
